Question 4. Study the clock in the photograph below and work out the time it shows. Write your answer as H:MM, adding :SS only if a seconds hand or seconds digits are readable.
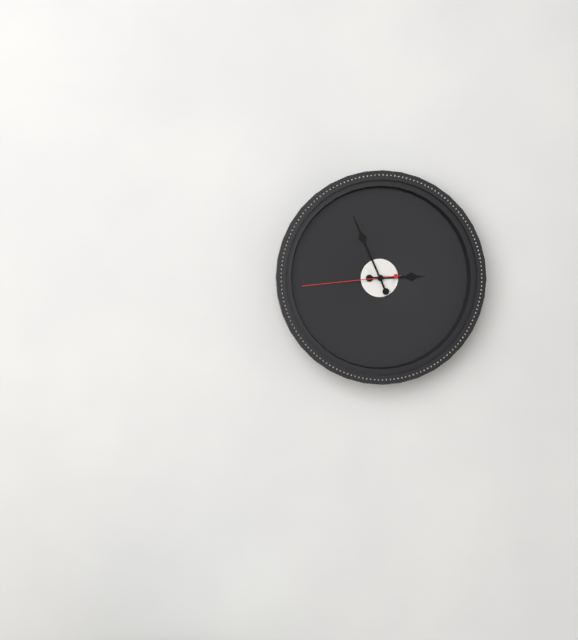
2:56:44
